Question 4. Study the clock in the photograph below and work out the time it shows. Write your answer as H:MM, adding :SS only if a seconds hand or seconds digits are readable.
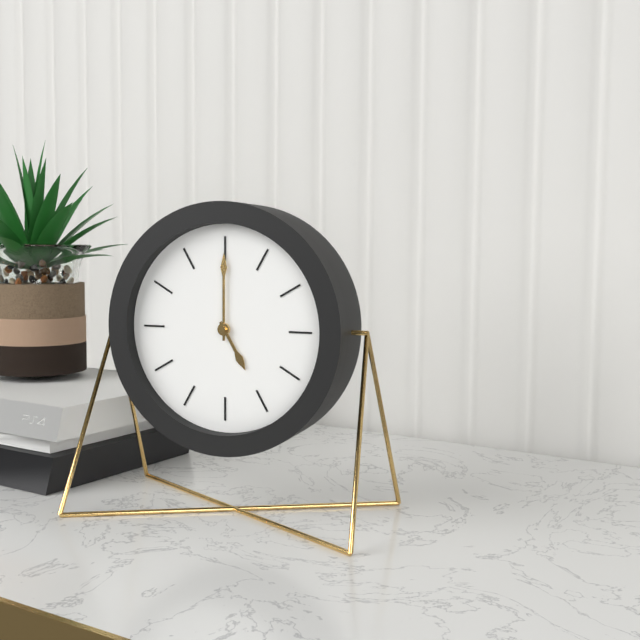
5:00
